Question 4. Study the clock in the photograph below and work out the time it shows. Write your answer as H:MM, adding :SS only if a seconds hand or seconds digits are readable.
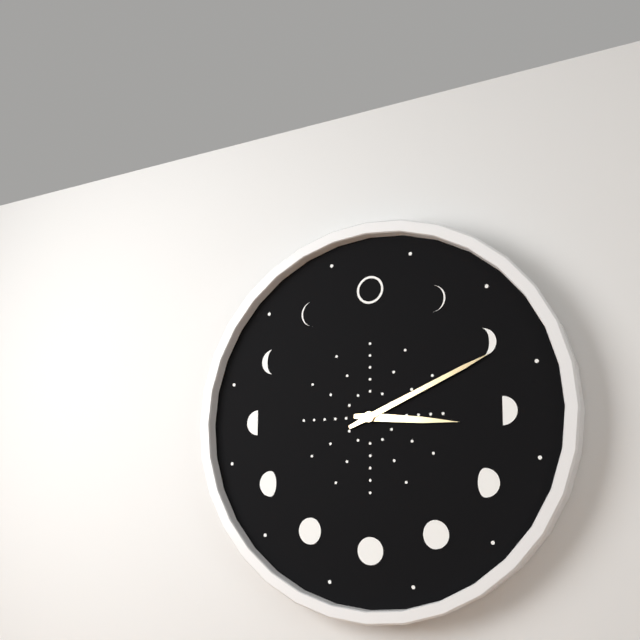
3:11
